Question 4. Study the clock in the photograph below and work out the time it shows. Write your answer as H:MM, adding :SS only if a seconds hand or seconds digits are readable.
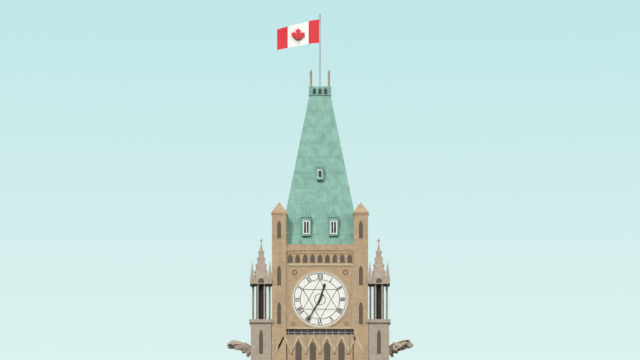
12:35
